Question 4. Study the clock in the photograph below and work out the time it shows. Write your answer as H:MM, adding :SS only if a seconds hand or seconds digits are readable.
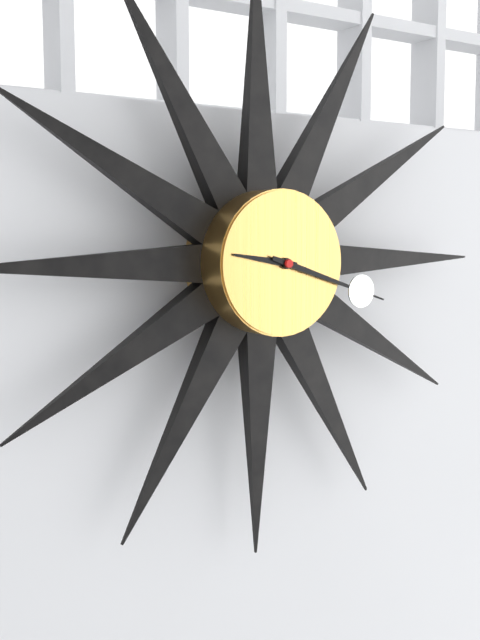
9:18
